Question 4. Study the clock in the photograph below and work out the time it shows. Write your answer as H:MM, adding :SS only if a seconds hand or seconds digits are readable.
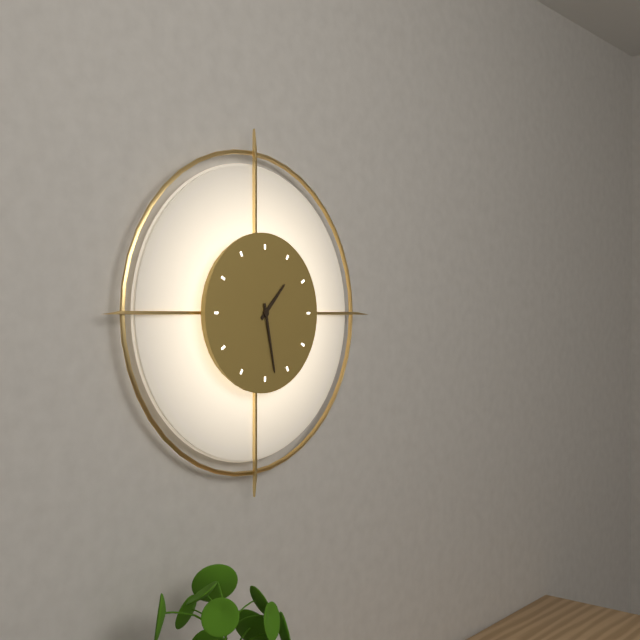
1:28
